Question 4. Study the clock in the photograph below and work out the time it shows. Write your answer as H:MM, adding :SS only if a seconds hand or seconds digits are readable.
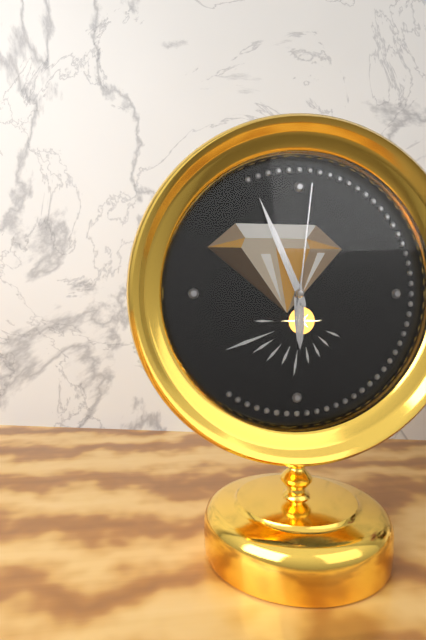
5:56:01
